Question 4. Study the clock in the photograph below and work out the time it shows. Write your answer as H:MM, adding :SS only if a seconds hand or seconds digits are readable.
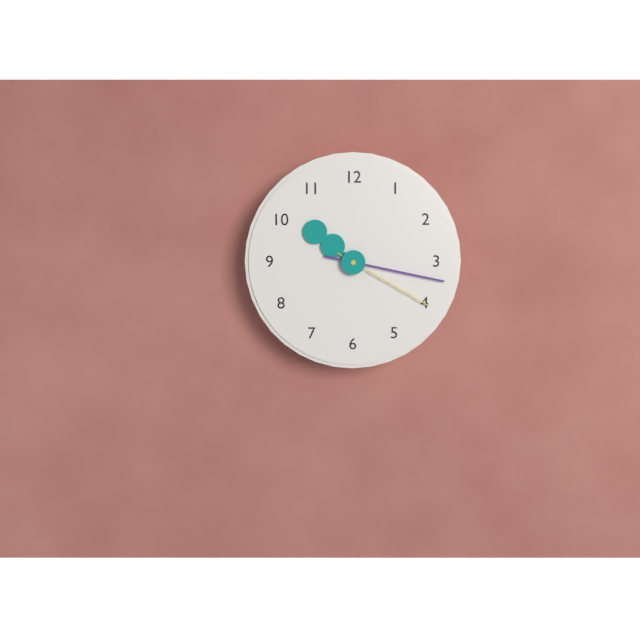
10:17:20
